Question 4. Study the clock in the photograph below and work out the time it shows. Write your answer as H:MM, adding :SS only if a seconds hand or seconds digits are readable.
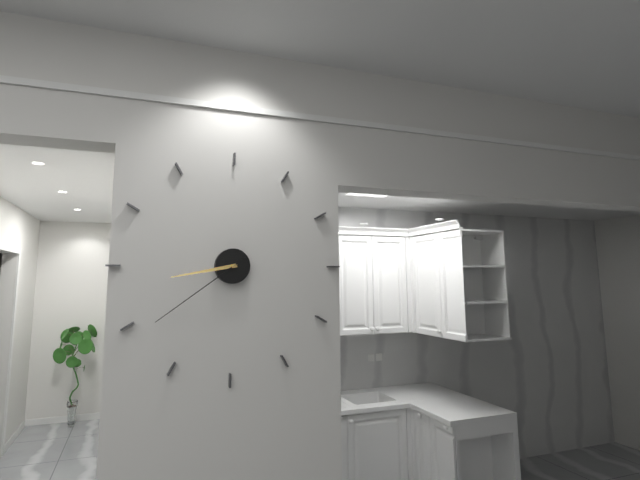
8:39
